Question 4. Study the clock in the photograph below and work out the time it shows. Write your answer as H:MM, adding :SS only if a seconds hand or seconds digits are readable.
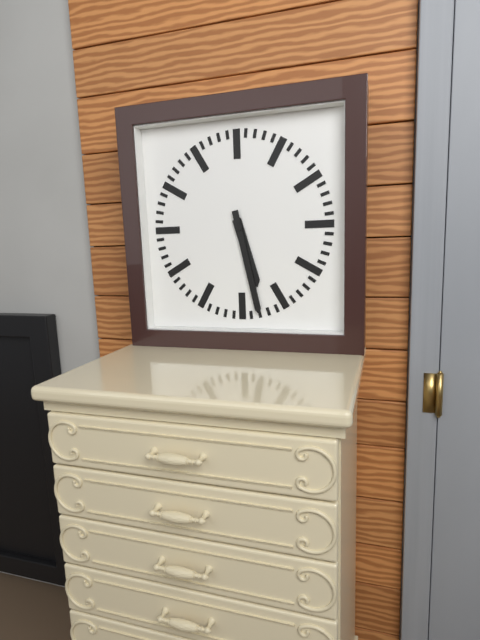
5:28
